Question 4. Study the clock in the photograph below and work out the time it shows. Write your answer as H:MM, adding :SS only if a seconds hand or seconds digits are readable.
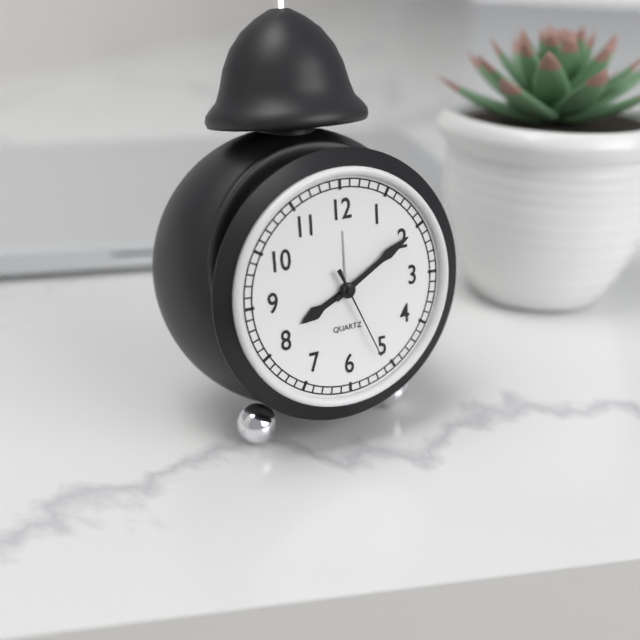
8:10:26
